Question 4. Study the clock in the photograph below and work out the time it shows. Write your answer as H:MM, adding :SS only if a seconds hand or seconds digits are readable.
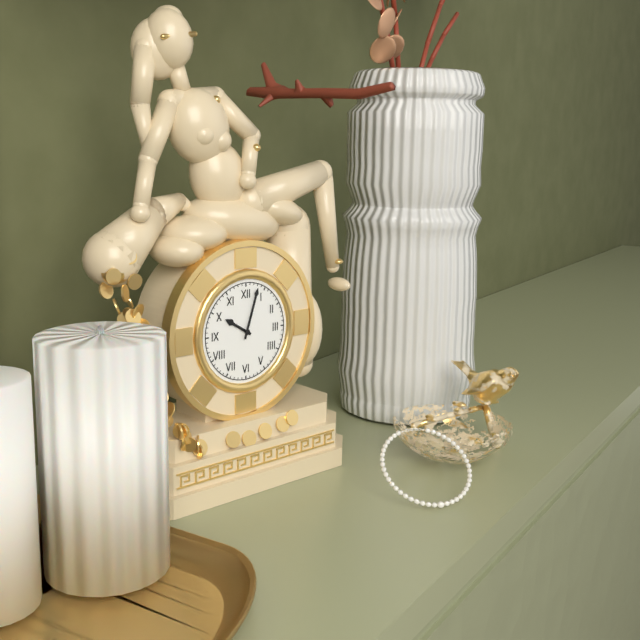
10:03
